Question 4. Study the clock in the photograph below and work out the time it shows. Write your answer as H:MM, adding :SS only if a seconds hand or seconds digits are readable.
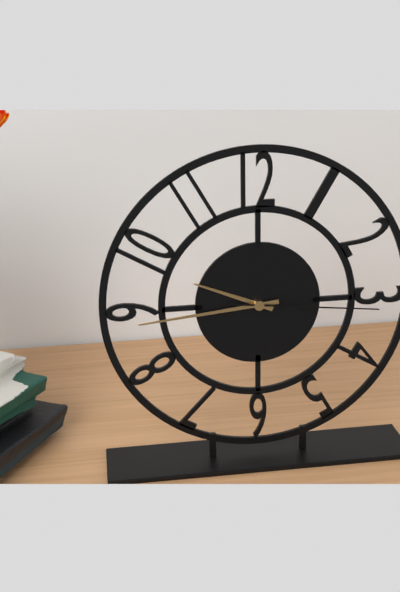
9:44:16
